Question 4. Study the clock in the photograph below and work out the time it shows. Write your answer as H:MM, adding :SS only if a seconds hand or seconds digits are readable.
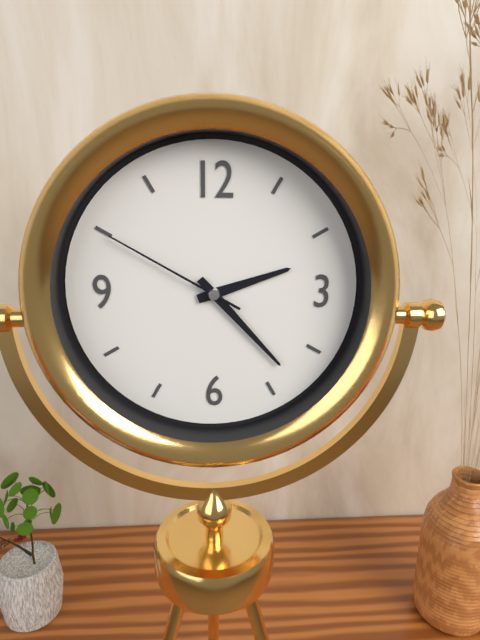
2:23:50
